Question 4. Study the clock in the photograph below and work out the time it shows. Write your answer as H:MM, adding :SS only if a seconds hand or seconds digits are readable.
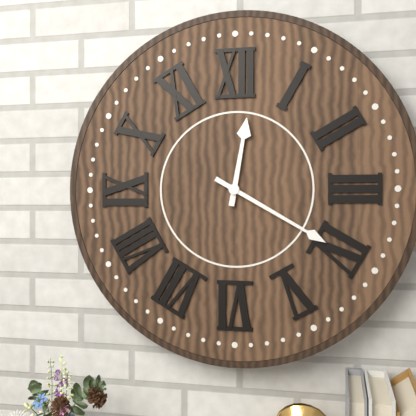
12:20
